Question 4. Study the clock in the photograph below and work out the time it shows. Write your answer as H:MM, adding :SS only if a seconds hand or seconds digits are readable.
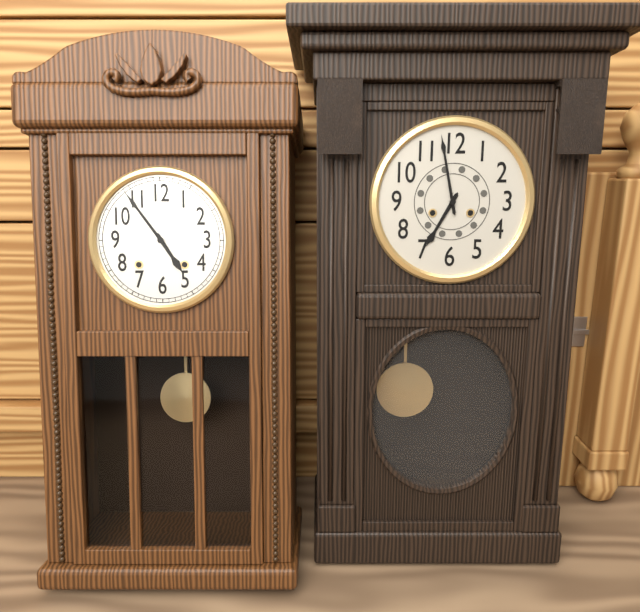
4:54
